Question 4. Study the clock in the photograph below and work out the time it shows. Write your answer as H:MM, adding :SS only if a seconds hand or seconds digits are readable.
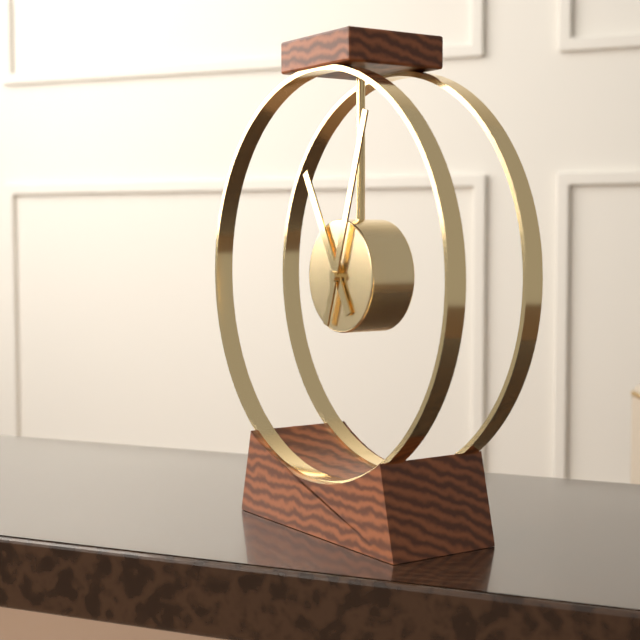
11:03
